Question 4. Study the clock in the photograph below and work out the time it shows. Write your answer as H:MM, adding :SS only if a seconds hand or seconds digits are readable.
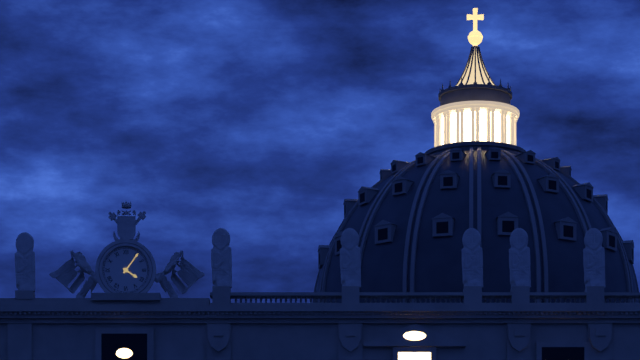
4:06
